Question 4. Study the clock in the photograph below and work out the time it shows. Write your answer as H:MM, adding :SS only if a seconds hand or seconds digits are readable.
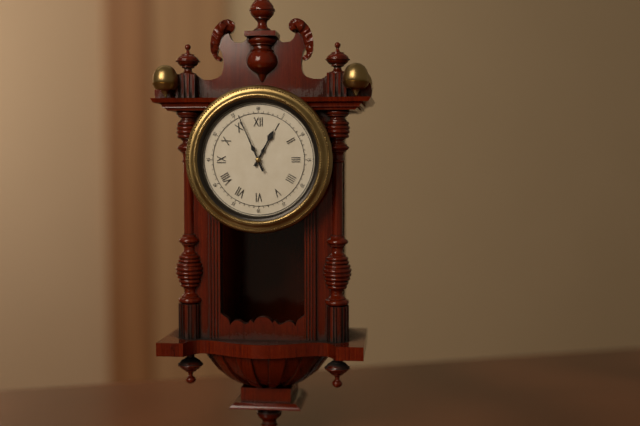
12:56
